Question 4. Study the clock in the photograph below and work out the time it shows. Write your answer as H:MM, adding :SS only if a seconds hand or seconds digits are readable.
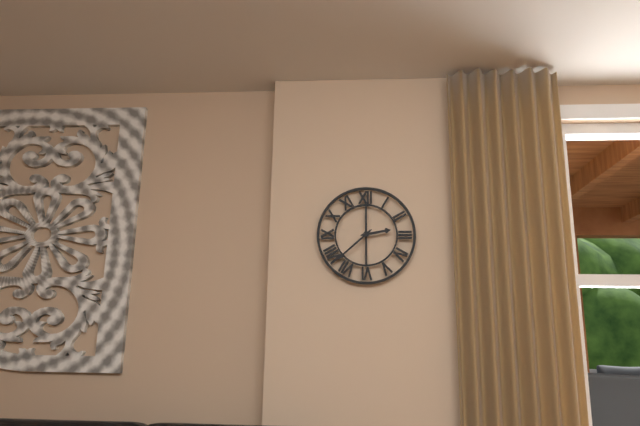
2:38
